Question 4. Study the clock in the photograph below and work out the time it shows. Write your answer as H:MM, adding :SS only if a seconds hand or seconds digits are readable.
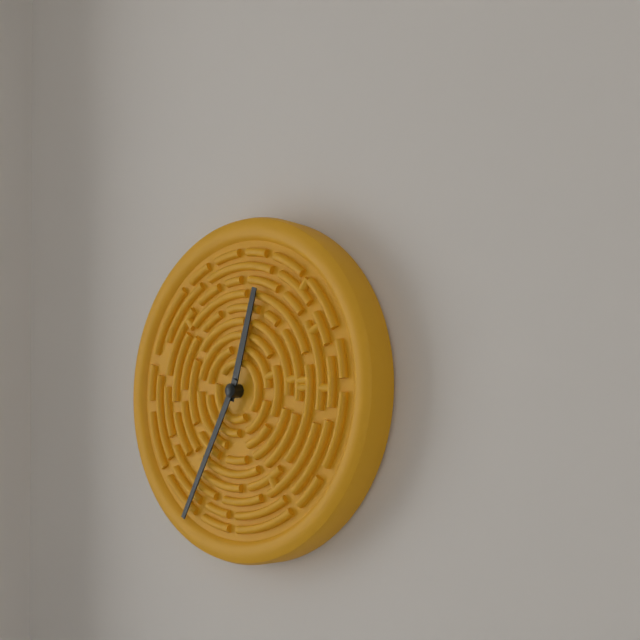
12:35
